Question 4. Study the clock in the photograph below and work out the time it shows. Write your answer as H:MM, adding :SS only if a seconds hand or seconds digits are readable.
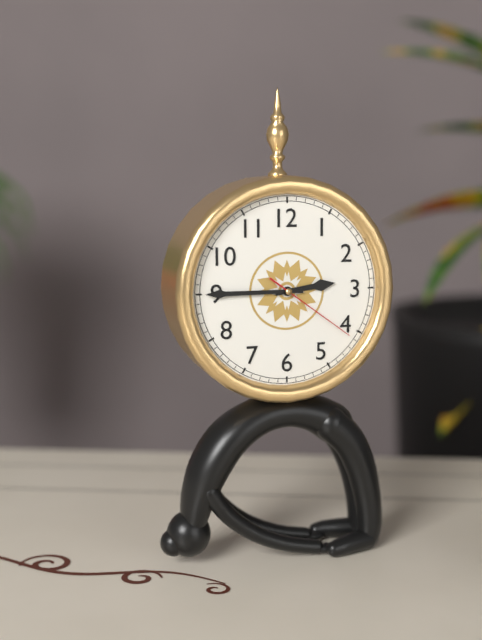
2:45:21
